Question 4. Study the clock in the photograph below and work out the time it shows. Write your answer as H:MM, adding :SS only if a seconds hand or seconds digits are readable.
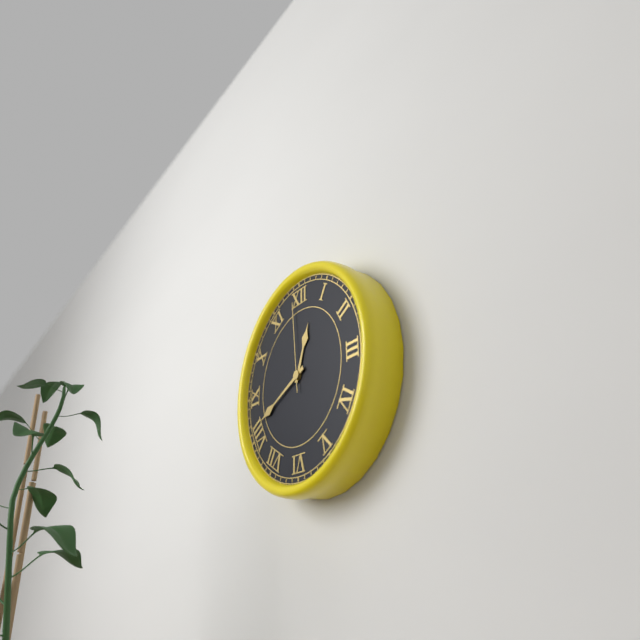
12:41:59
